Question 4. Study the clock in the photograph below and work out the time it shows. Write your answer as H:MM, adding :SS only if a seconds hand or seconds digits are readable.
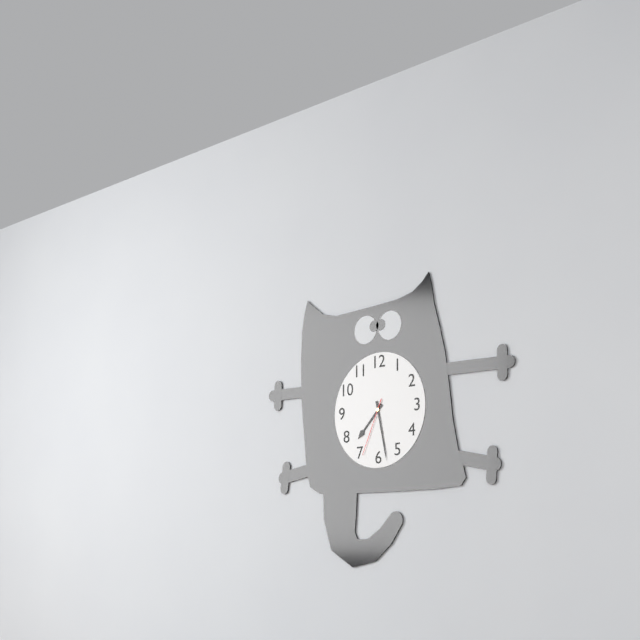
7:28:34
